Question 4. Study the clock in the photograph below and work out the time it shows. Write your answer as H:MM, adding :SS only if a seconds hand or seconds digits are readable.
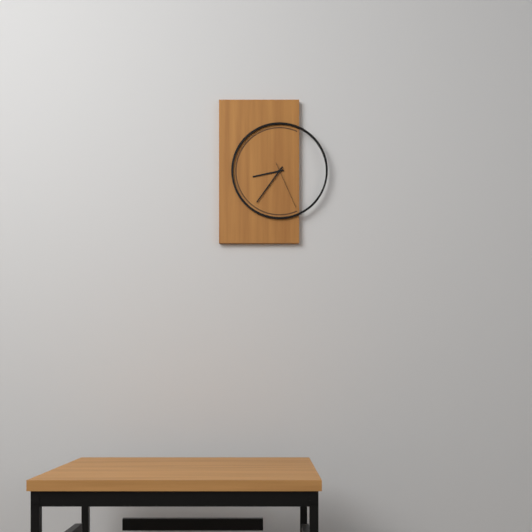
8:36:26
